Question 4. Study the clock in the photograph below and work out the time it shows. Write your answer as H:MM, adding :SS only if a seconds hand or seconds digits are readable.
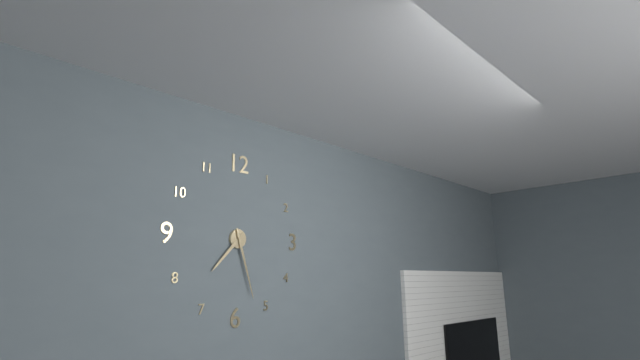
7:27
